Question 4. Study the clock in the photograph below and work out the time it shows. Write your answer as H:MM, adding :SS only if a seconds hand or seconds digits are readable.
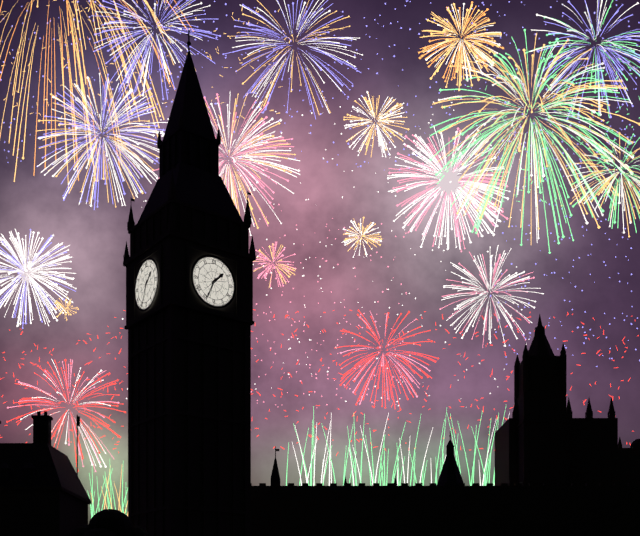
1:34
